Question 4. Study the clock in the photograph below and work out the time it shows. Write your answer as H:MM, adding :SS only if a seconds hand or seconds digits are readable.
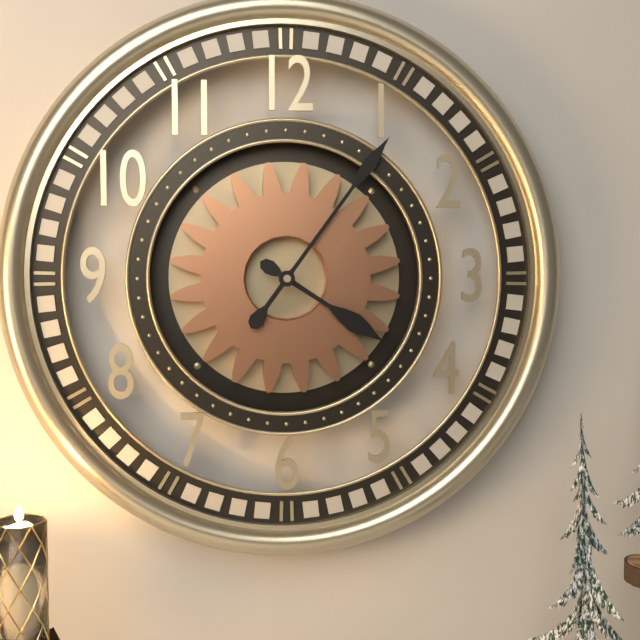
4:06
